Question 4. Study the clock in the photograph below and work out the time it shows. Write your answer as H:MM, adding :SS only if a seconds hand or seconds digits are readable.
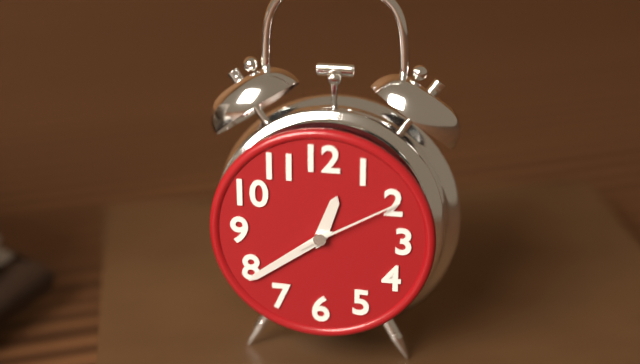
12:39:10
